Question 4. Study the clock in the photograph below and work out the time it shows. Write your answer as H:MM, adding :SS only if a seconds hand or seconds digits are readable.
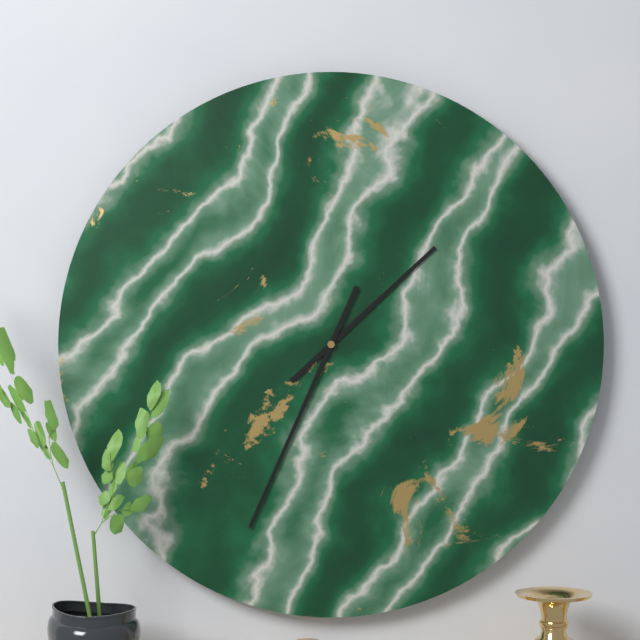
1:34
